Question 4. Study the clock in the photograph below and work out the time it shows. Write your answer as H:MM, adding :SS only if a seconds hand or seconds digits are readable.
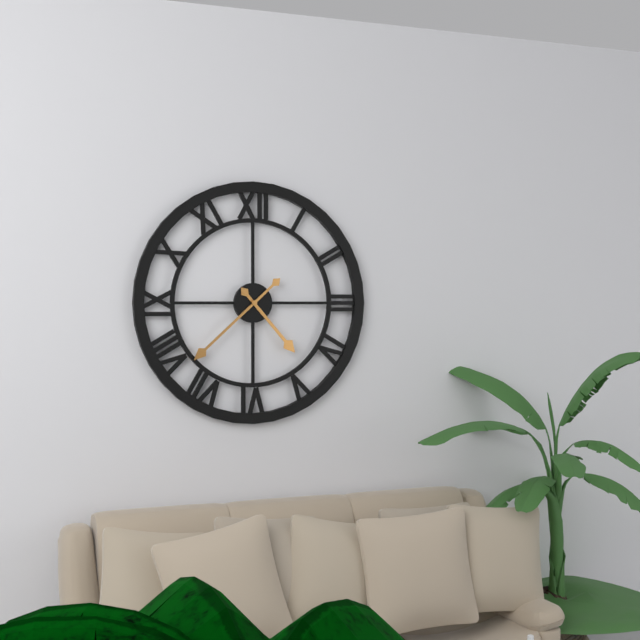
4:38
